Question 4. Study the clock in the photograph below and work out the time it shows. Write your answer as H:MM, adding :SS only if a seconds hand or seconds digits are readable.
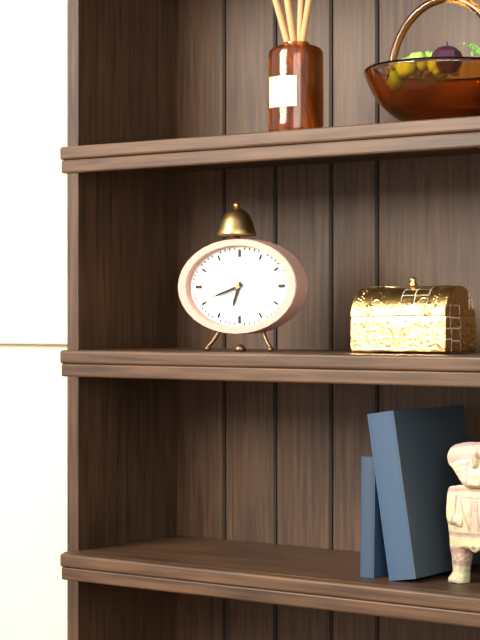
6:42
